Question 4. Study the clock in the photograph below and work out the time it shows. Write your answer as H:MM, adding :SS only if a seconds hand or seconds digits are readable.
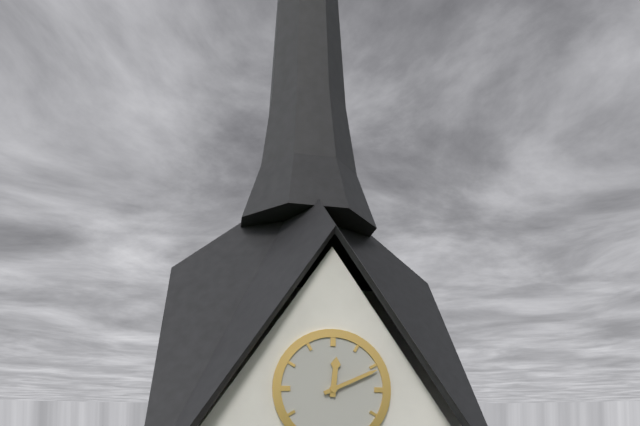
12:11
